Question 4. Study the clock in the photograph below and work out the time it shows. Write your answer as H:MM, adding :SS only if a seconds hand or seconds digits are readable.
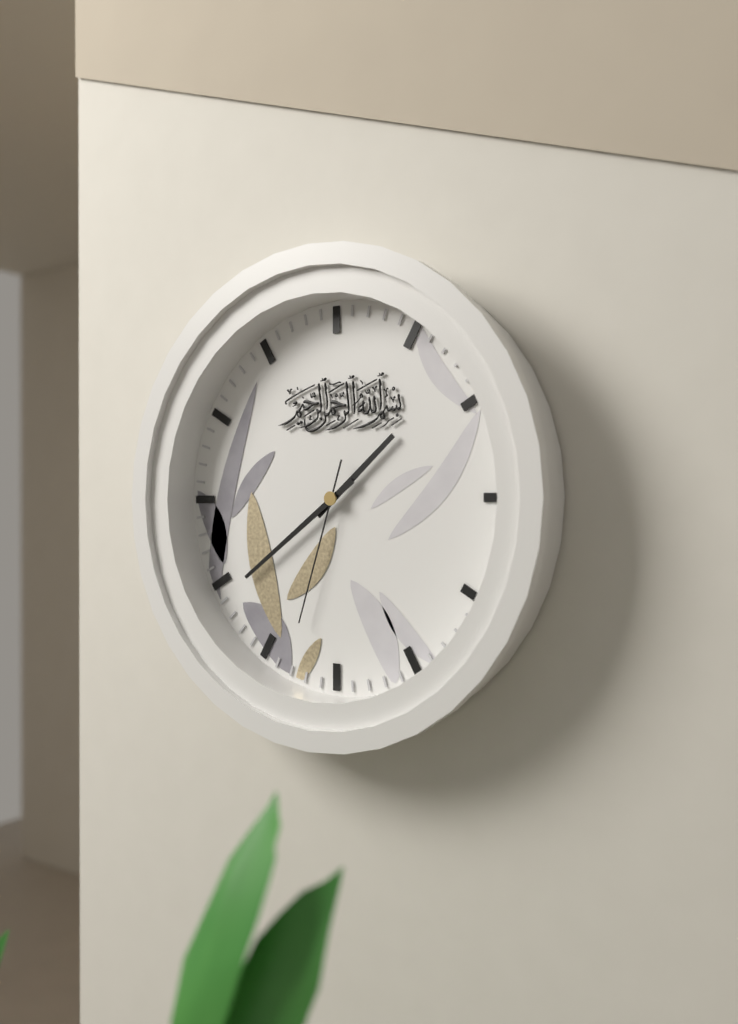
1:39:33
